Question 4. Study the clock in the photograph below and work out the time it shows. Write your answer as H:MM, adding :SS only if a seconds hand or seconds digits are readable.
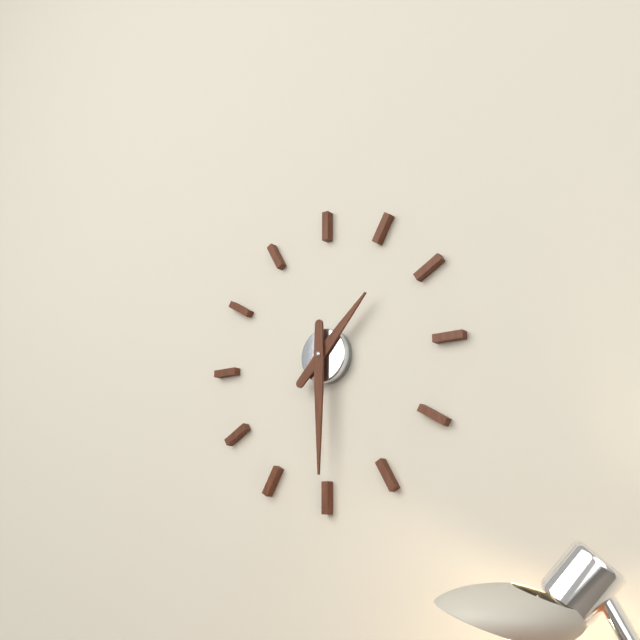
1:30
